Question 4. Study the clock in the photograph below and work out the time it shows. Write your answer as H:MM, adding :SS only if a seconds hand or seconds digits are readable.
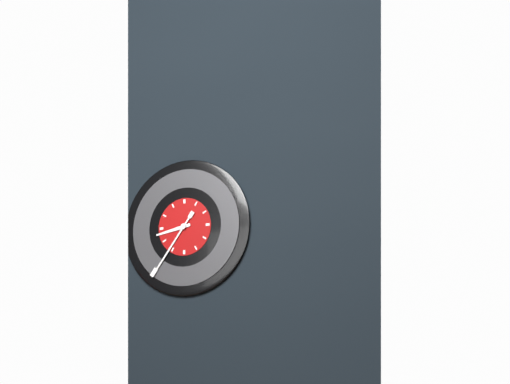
8:36
